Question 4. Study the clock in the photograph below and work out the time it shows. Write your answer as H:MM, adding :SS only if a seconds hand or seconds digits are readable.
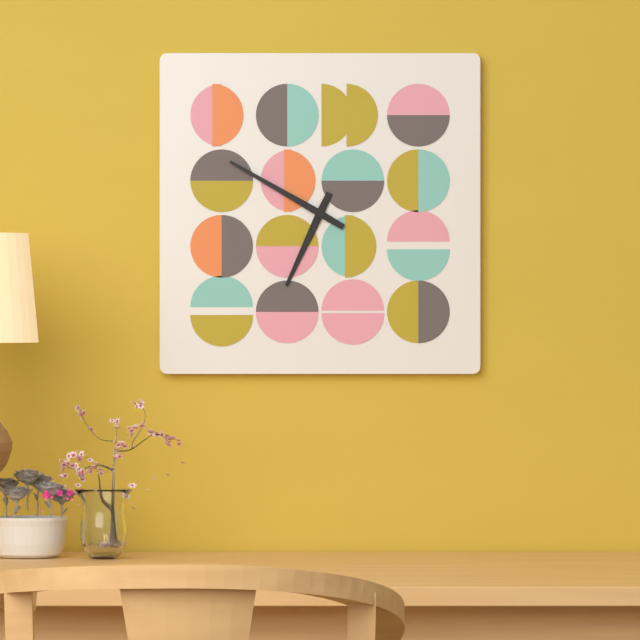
6:50
